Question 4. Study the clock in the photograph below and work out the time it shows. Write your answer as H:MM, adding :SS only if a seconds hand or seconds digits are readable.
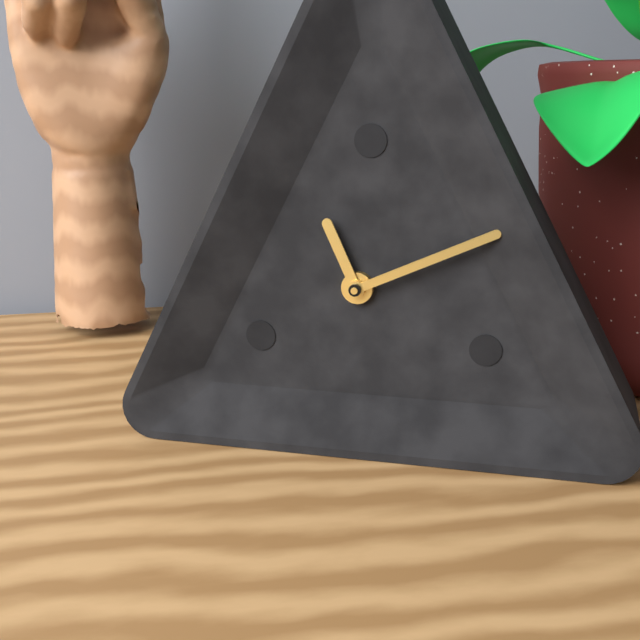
11:11
